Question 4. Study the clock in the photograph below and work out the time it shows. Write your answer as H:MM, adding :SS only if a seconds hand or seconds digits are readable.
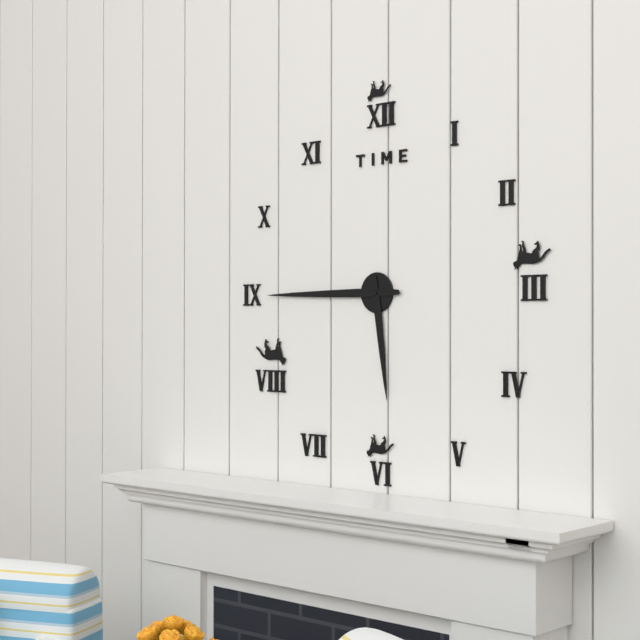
5:45
